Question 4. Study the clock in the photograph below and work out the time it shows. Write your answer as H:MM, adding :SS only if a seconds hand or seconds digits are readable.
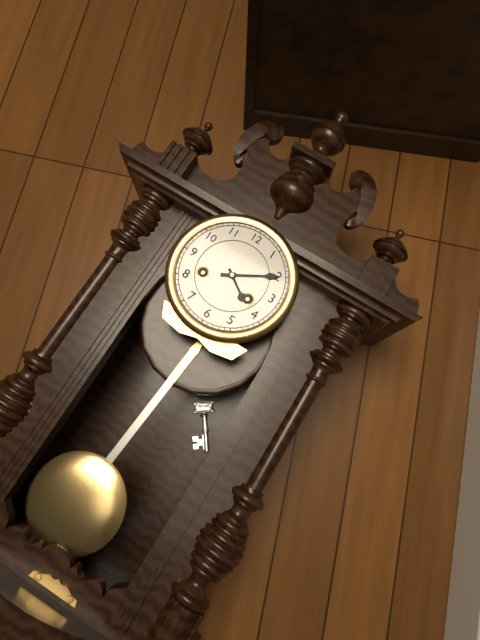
4:10
